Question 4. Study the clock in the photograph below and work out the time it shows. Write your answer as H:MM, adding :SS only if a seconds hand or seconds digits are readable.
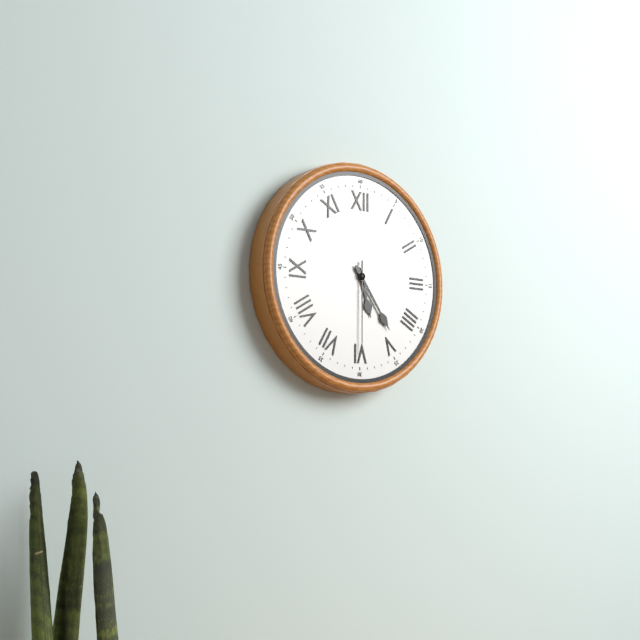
5:24:30
